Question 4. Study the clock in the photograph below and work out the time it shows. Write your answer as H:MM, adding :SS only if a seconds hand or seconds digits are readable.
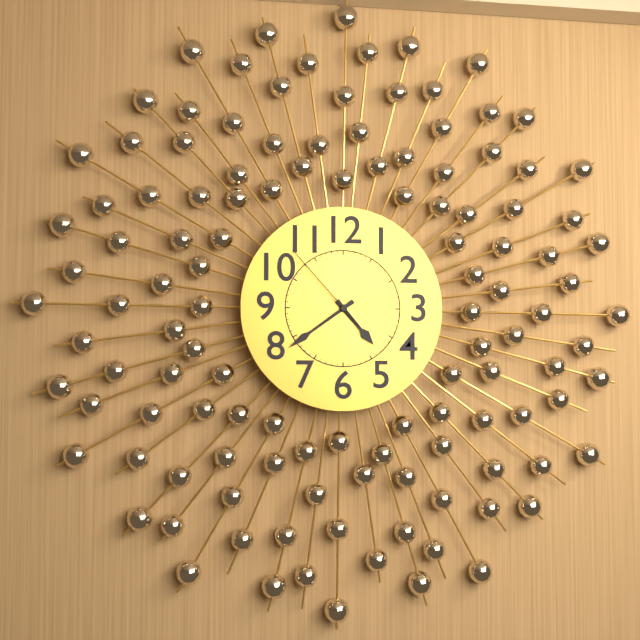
4:39:53
